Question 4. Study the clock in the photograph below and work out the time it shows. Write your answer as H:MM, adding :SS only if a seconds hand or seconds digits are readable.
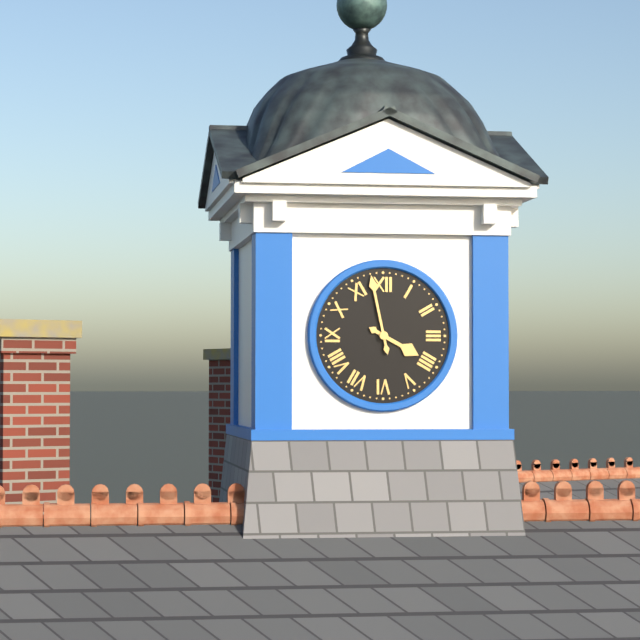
3:58
